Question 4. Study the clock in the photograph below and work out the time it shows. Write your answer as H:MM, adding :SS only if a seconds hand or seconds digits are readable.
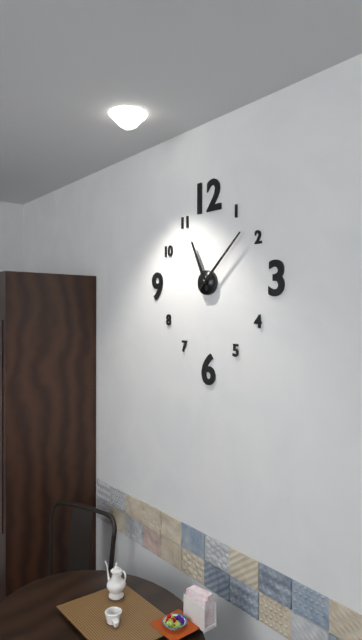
11:08
